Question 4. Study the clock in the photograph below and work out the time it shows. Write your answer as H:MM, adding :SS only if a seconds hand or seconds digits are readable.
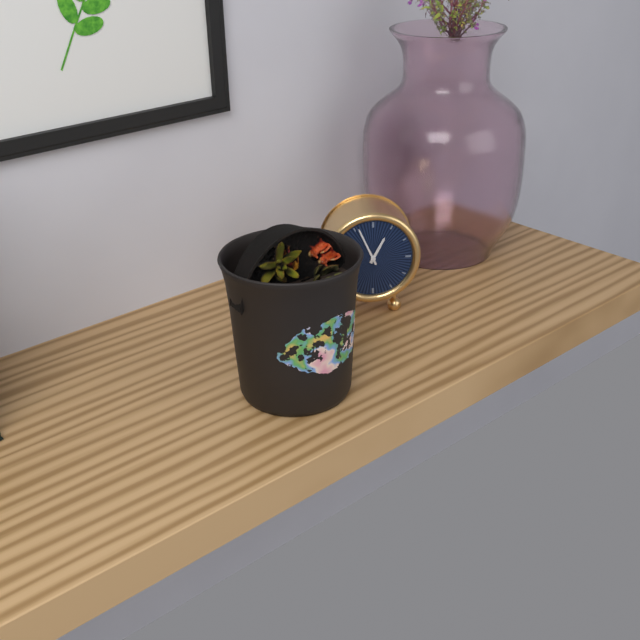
12:56
